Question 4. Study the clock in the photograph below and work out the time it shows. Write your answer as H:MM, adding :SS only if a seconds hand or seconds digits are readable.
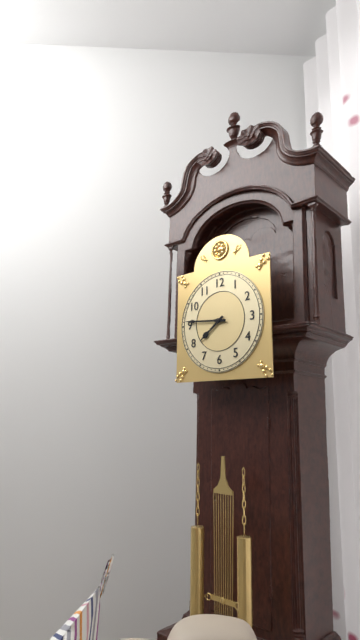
7:46
